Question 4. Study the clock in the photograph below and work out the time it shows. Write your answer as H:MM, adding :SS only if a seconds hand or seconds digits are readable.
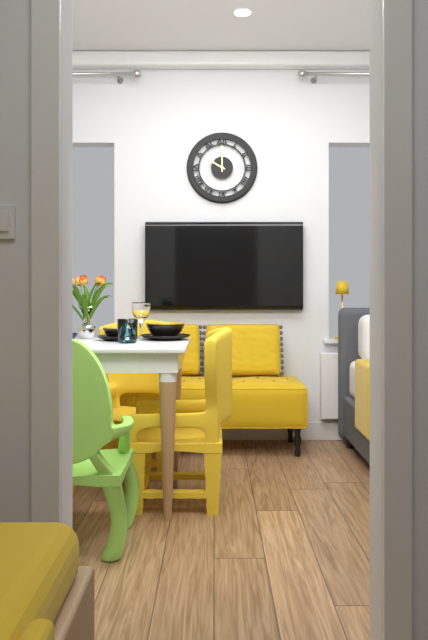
10:00
